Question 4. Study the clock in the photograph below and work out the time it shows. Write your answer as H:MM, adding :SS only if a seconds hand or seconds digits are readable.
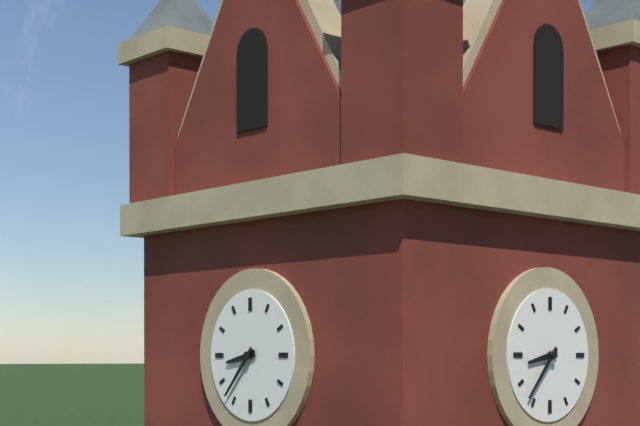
8:37
